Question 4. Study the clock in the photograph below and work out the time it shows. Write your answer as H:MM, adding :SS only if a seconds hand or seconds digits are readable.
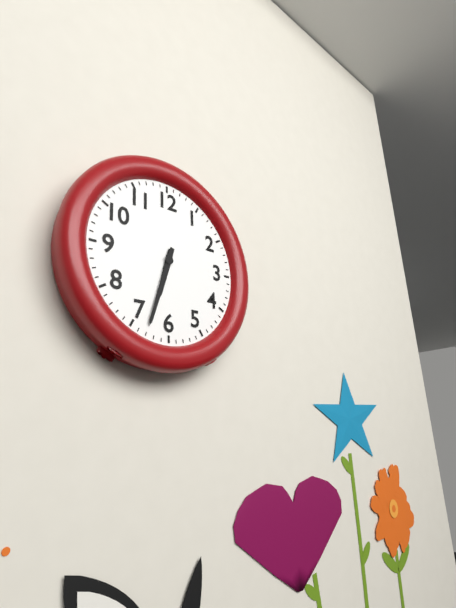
6:33
